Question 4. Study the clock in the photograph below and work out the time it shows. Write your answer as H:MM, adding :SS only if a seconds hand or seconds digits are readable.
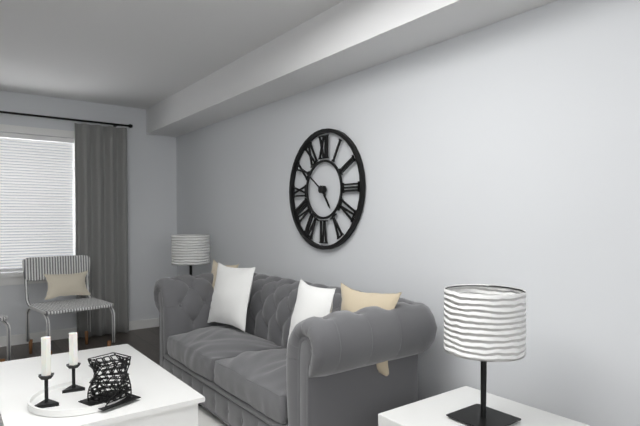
4:51
